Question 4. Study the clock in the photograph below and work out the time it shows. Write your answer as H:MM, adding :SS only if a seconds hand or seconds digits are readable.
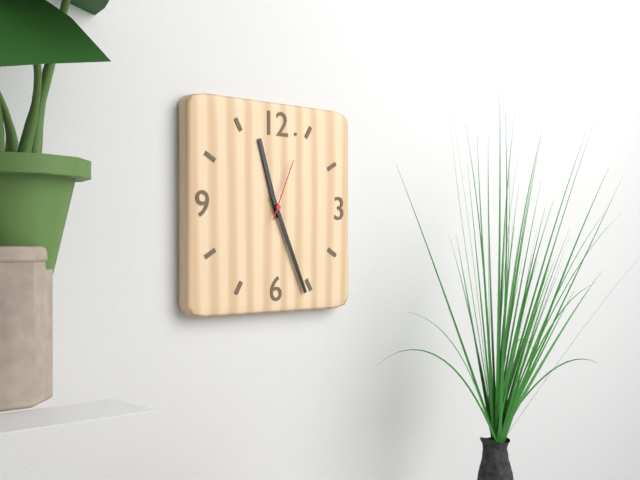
11:26:04
